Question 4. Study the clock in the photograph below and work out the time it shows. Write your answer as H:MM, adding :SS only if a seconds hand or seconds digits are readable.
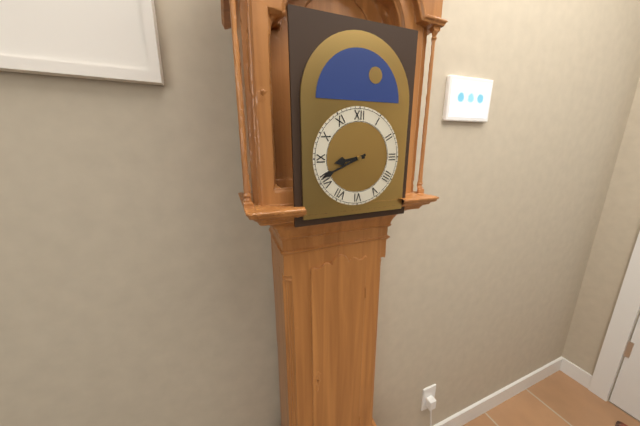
8:41
